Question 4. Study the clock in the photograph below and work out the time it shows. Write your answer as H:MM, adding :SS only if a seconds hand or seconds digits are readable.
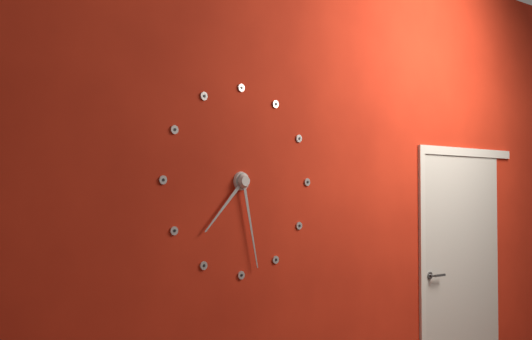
7:28
